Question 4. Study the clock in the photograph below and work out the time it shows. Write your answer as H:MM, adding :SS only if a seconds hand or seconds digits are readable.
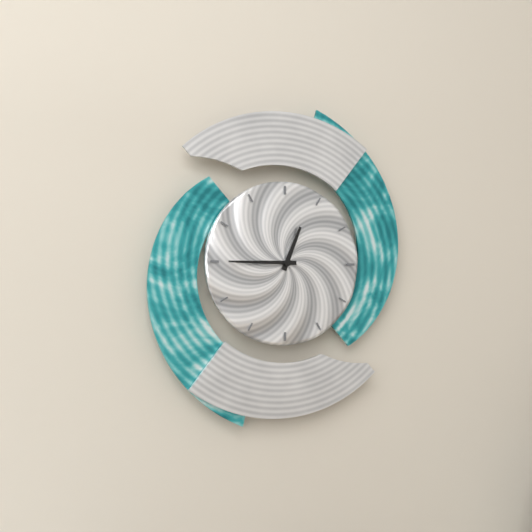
12:45
